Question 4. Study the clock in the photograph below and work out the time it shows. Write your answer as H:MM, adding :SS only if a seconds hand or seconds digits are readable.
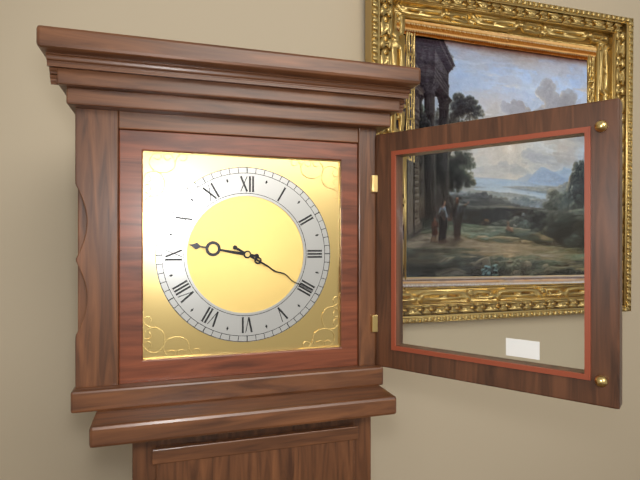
9:20
